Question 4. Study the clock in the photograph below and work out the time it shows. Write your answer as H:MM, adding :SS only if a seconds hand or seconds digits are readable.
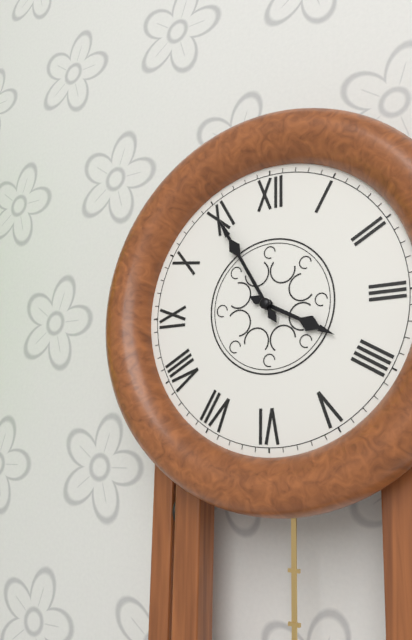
3:55
